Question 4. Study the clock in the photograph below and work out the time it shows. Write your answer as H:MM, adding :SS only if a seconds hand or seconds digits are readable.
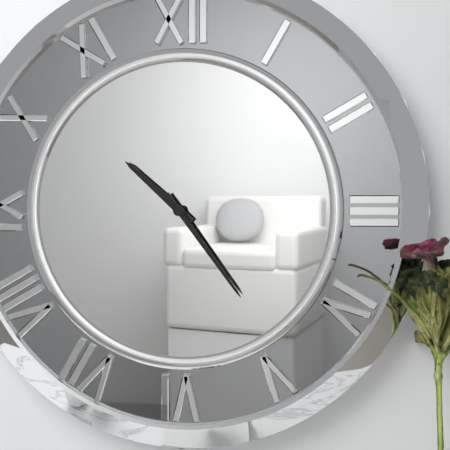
10:24
